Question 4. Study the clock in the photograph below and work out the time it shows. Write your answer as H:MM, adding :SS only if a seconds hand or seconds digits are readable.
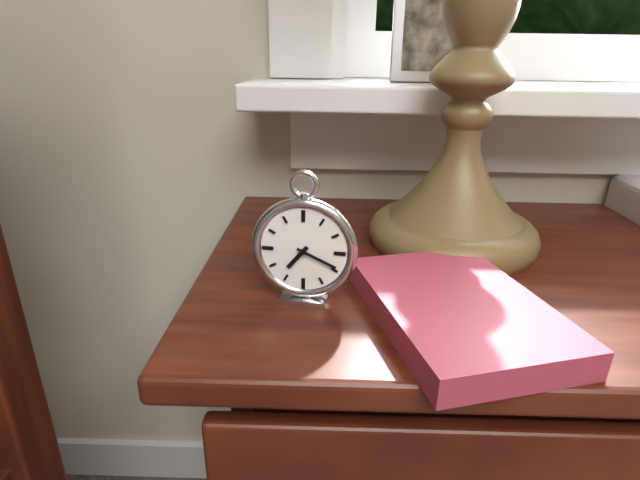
7:19
